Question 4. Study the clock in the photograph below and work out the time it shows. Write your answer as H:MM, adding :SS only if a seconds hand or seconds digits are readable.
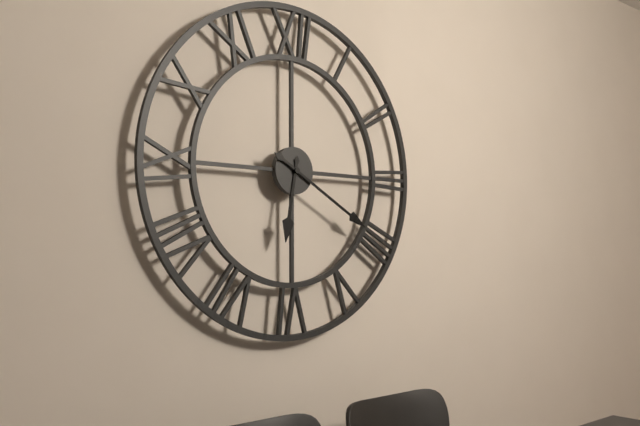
6:20
